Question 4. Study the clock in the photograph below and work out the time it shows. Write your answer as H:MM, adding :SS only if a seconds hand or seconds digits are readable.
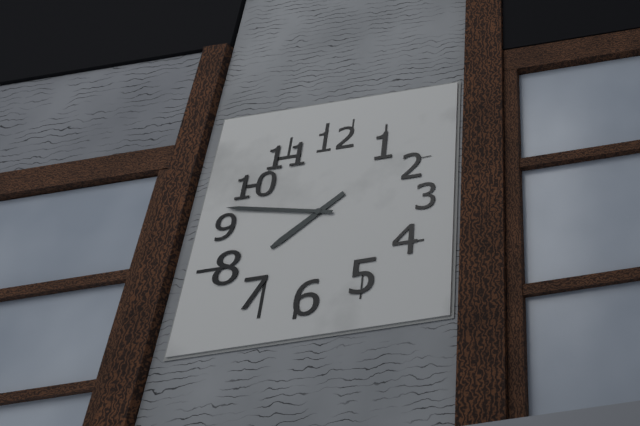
7:47
